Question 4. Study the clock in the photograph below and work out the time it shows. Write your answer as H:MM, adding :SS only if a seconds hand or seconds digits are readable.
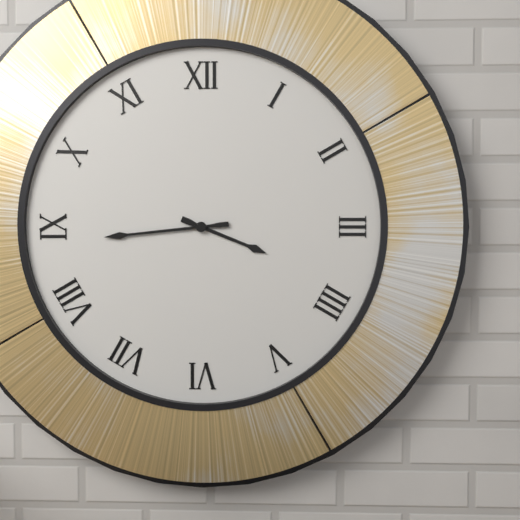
3:44
